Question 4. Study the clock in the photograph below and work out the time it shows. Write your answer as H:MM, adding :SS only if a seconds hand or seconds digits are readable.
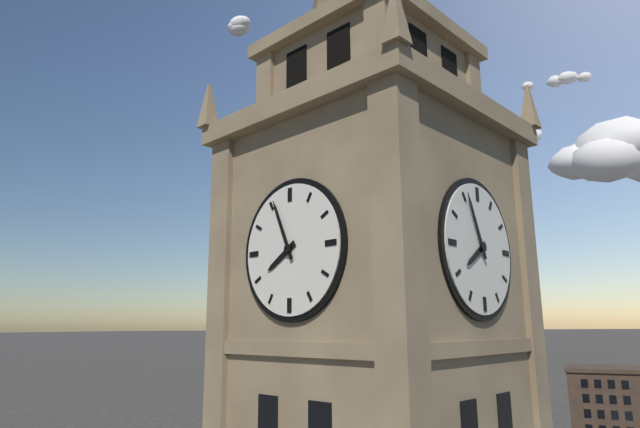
7:56
